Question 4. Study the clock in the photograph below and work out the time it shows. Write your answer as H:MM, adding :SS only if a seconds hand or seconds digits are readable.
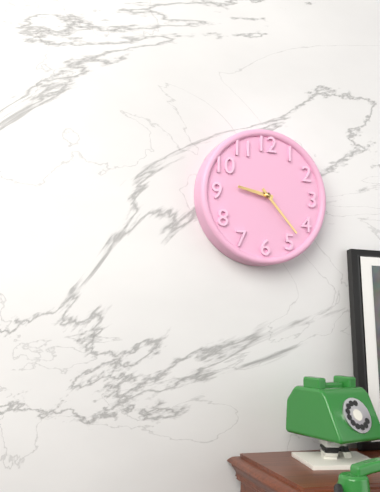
9:23
